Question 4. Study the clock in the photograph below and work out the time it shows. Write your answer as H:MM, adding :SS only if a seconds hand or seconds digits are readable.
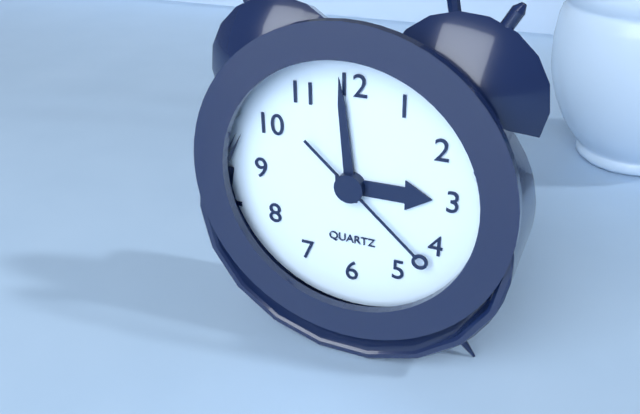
2:59:22
